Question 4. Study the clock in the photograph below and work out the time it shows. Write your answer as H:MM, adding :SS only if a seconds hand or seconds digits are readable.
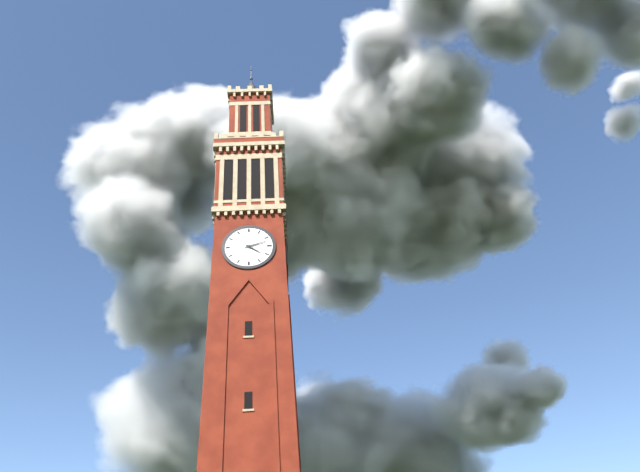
4:12
